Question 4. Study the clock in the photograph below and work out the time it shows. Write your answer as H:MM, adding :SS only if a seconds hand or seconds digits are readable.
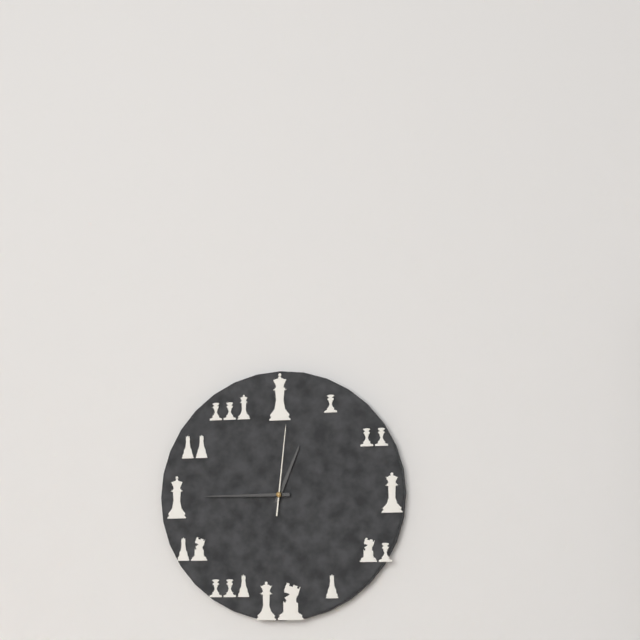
12:45:01
